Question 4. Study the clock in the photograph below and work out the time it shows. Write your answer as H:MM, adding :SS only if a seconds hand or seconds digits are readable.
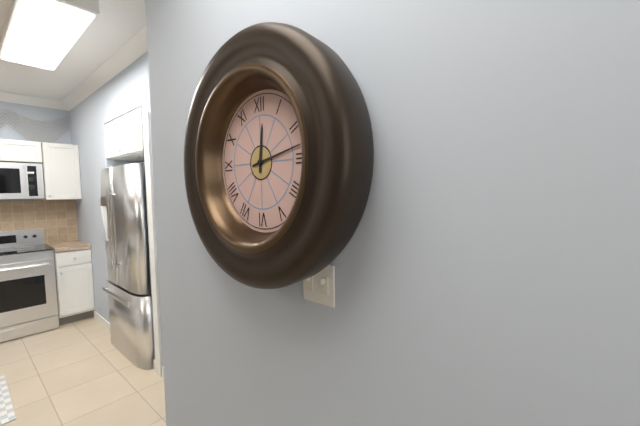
12:13
